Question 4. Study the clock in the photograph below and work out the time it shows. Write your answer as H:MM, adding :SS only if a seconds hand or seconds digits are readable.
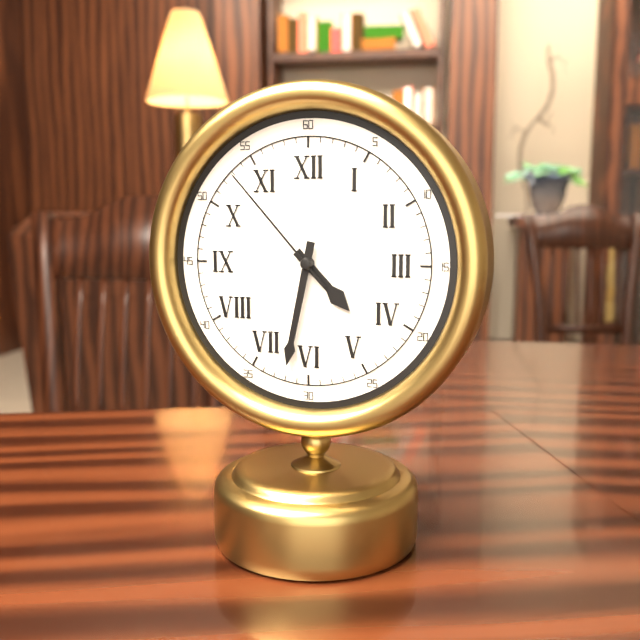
4:32:53
